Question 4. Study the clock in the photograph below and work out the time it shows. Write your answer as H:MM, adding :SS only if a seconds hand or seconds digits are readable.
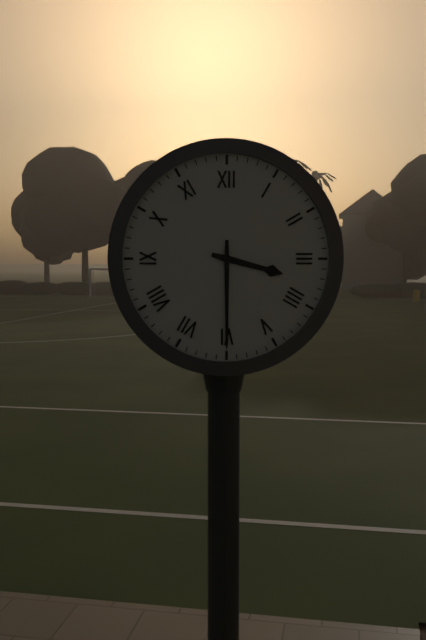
3:30
